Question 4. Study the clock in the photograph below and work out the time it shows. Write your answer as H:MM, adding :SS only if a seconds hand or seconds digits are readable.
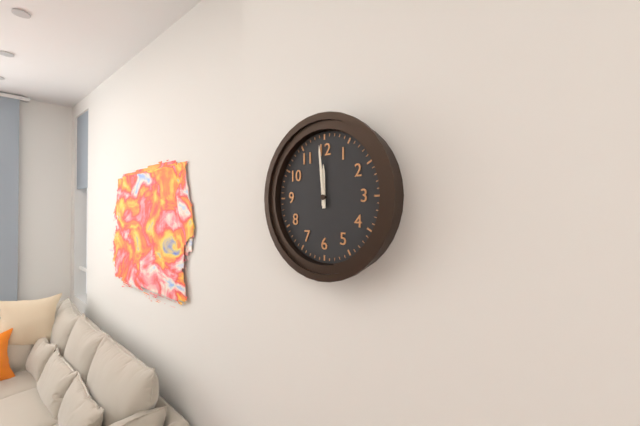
11:59
